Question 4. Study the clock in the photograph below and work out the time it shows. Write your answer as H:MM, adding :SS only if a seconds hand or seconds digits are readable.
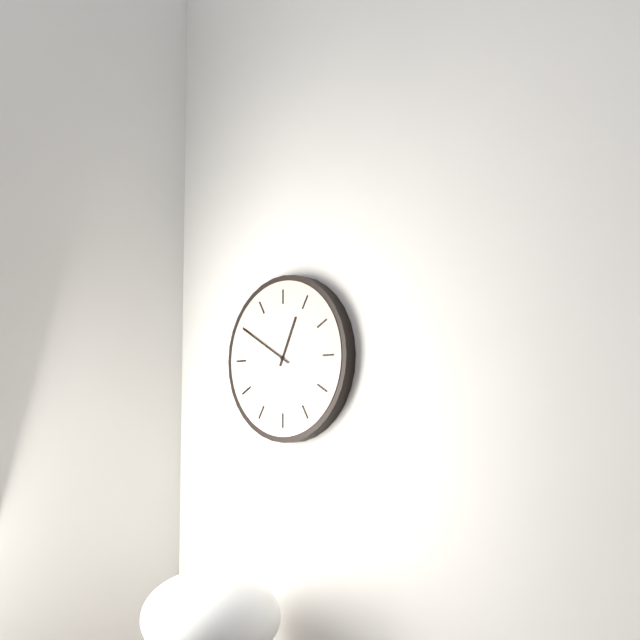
12:50
